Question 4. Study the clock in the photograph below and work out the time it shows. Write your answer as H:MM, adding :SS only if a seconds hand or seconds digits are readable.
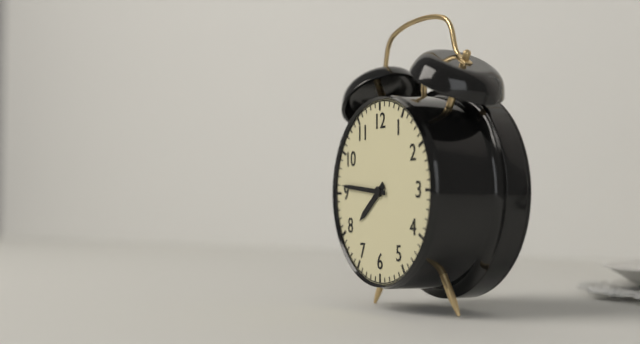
7:46
